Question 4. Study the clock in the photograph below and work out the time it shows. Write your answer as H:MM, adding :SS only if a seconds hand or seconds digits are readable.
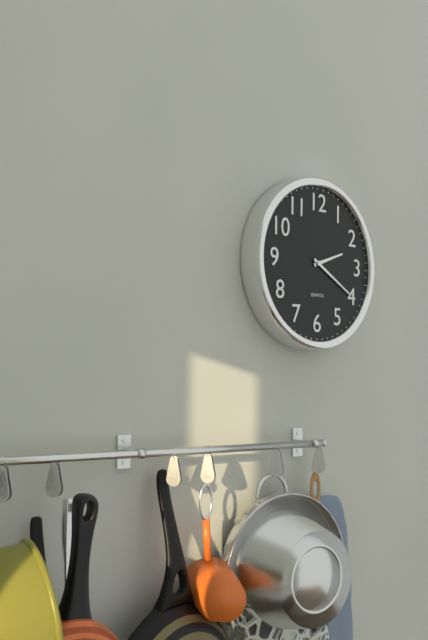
2:20
